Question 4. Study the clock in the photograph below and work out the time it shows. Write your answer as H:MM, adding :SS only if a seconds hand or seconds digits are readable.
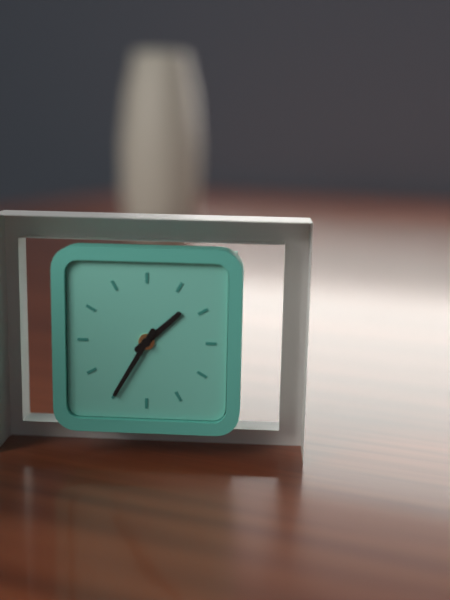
1:35
